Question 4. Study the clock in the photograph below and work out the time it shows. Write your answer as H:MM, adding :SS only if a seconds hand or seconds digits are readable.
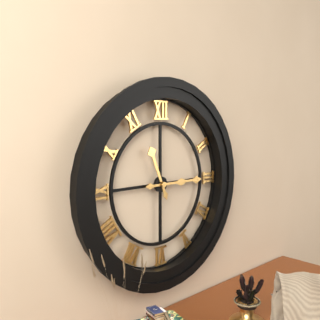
11:15
